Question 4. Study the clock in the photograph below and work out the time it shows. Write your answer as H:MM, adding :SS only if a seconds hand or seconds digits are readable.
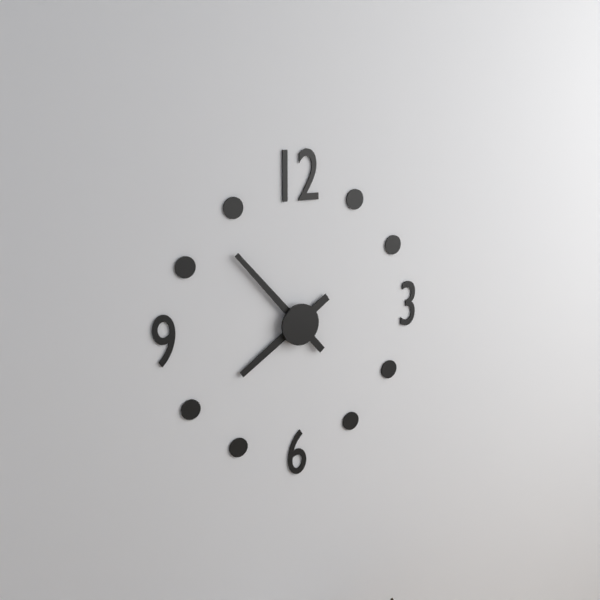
7:53
